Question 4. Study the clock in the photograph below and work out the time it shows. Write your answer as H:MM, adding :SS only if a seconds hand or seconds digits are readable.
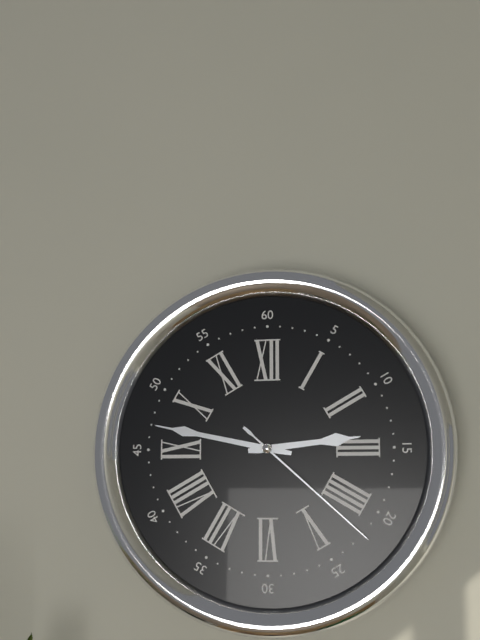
2:47:22
